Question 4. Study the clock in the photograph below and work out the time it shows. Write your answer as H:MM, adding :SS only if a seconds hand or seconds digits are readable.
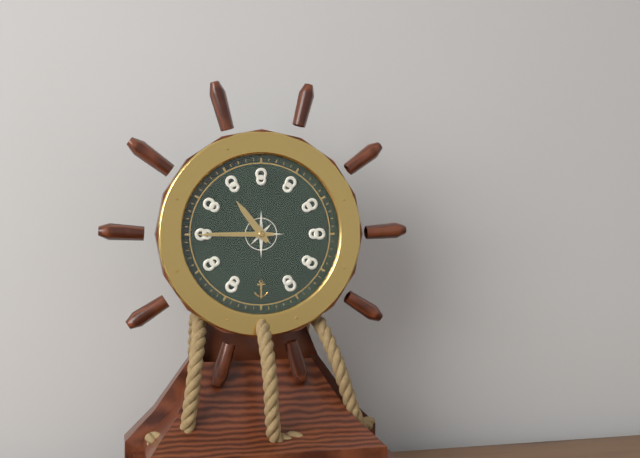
10:45
